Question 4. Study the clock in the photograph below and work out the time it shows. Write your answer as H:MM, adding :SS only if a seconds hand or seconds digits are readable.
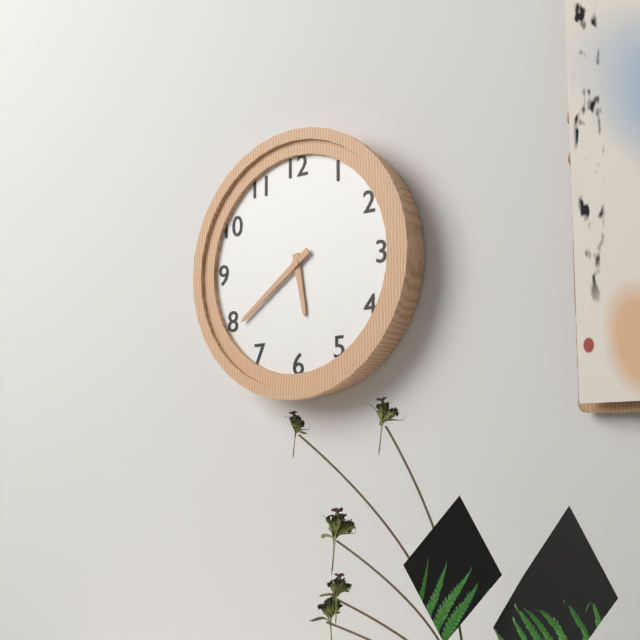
5:39
